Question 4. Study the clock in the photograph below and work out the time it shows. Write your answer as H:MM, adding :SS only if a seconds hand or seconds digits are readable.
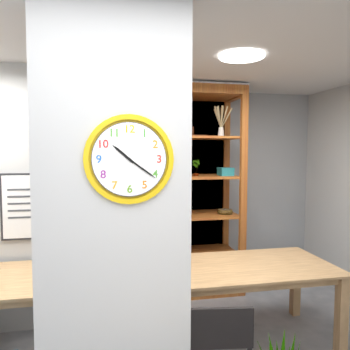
10:21
